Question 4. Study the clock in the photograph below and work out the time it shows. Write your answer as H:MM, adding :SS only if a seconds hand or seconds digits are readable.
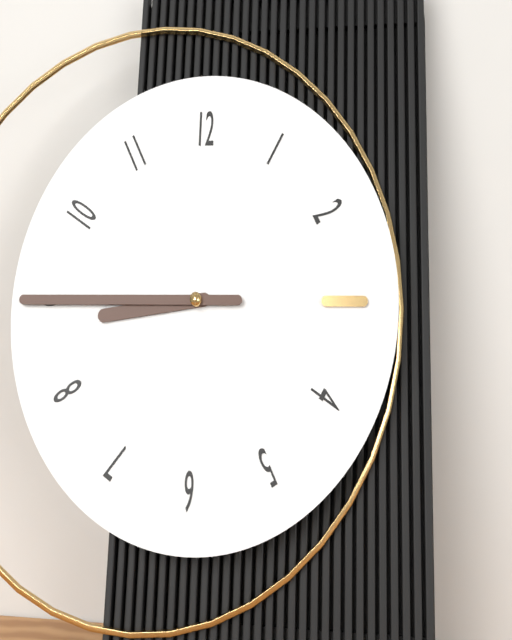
8:45
